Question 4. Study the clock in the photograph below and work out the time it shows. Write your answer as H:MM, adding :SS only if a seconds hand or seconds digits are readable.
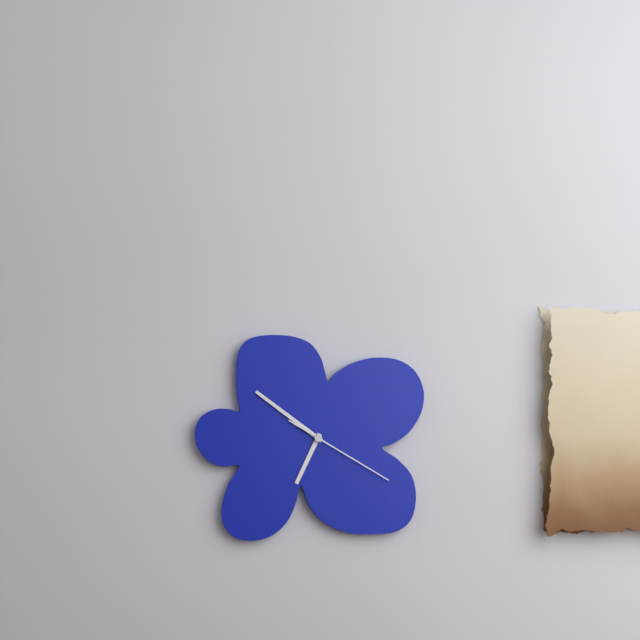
6:51:20
